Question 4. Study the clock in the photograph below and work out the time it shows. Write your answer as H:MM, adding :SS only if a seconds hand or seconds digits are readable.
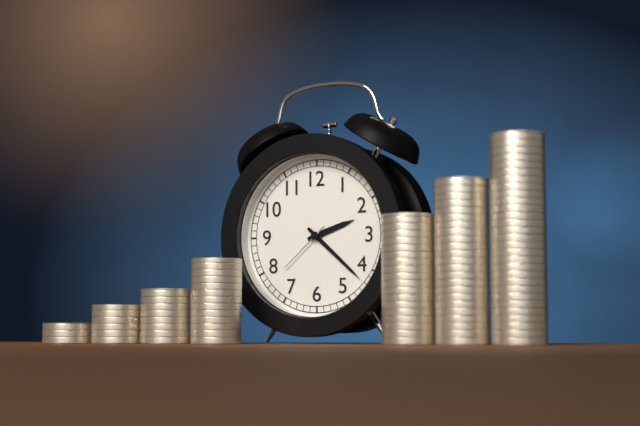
2:22:38
